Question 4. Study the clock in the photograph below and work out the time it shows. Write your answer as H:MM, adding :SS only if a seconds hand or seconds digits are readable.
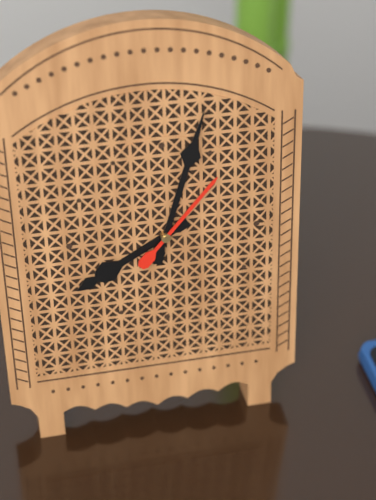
8:03:07
